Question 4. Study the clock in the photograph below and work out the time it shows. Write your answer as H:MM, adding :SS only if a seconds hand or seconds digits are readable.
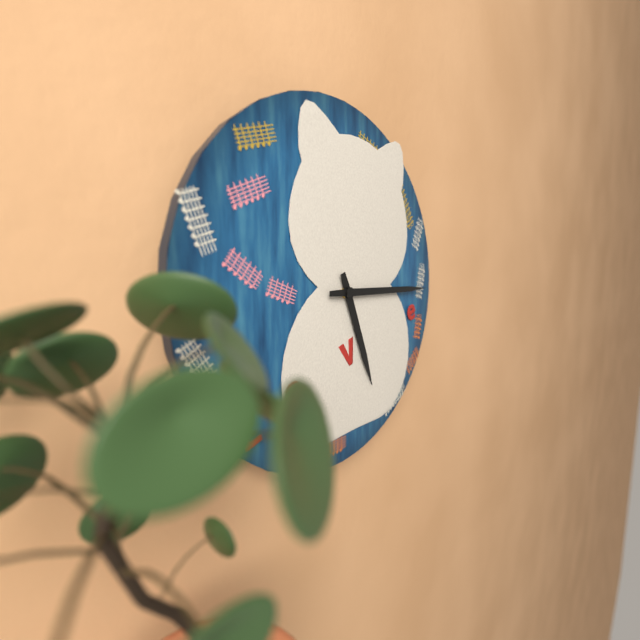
5:15
